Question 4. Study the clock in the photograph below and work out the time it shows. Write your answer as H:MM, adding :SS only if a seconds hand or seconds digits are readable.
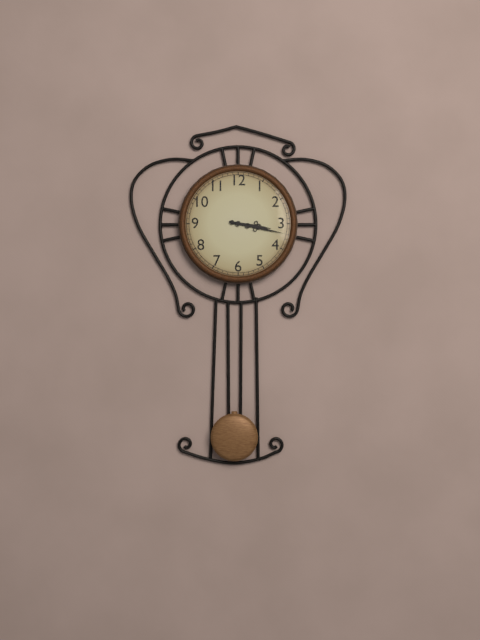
3:17
